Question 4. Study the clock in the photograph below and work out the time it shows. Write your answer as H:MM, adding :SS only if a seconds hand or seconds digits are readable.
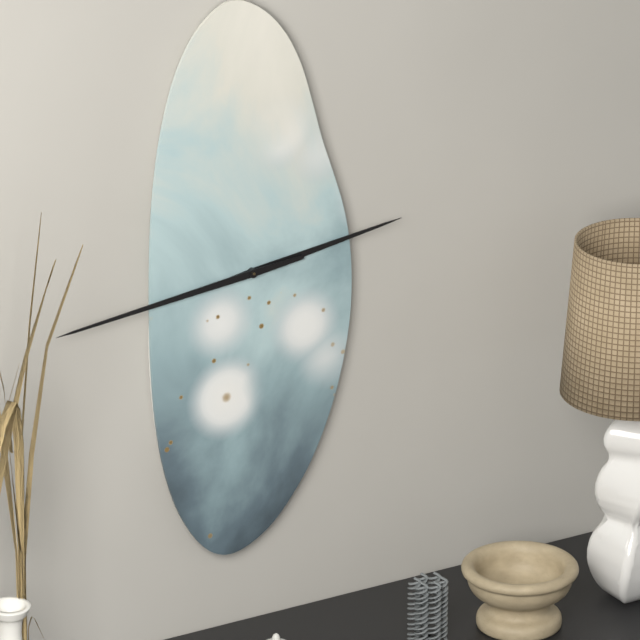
2:44
